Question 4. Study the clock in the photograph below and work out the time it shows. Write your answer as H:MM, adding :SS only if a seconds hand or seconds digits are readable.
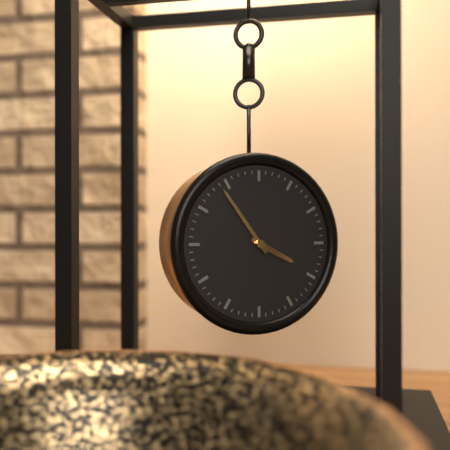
3:54
